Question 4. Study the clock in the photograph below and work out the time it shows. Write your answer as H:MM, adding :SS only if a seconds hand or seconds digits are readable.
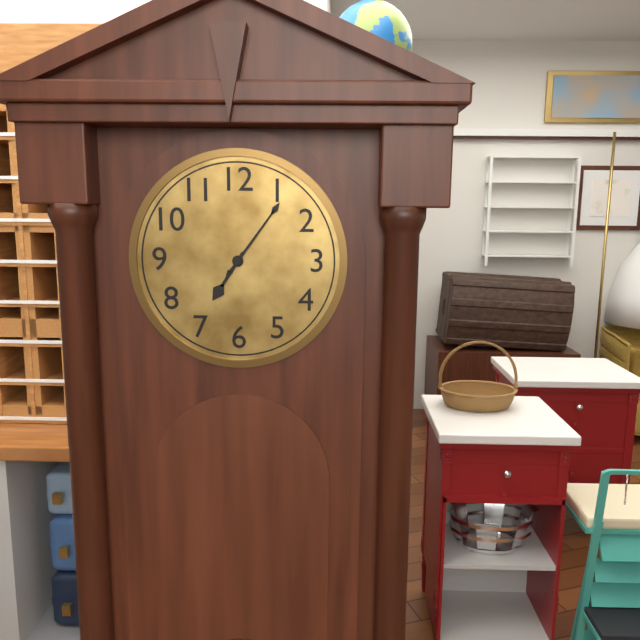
7:06
